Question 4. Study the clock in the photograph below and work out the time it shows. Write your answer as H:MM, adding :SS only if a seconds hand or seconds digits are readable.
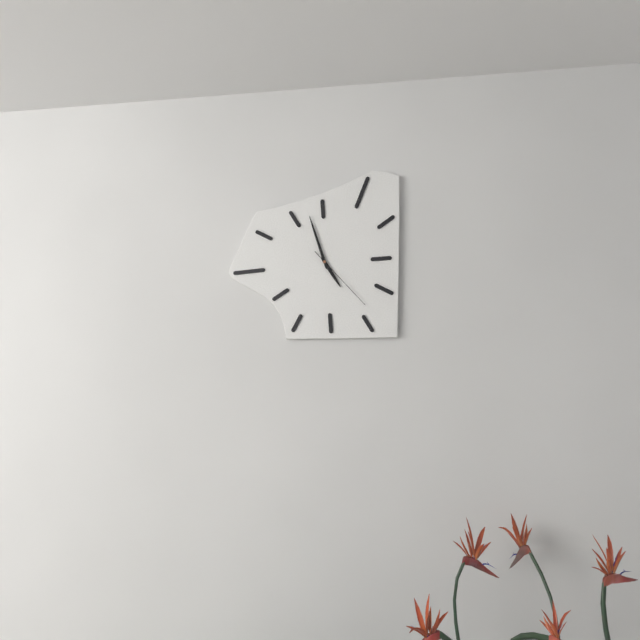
4:57:23
